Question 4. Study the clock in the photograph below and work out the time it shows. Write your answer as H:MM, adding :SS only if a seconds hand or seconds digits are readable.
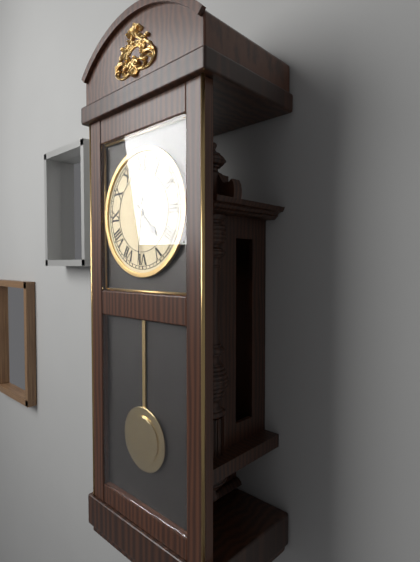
4:31
